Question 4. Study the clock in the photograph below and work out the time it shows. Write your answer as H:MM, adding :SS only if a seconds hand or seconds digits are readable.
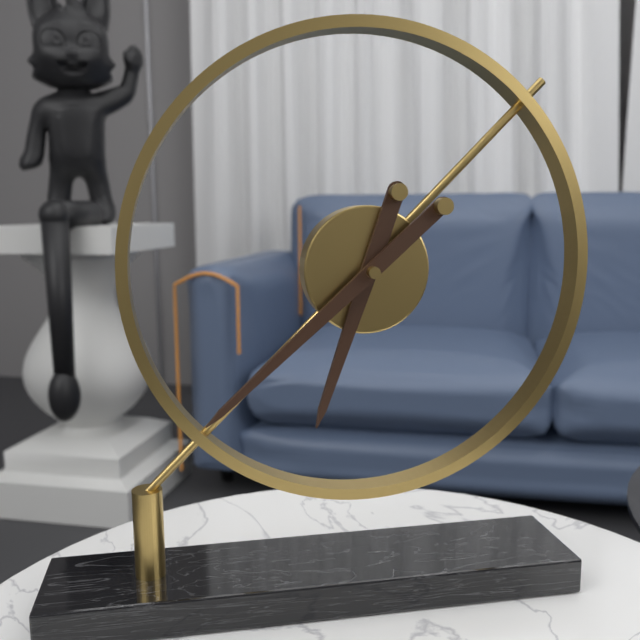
6:38
